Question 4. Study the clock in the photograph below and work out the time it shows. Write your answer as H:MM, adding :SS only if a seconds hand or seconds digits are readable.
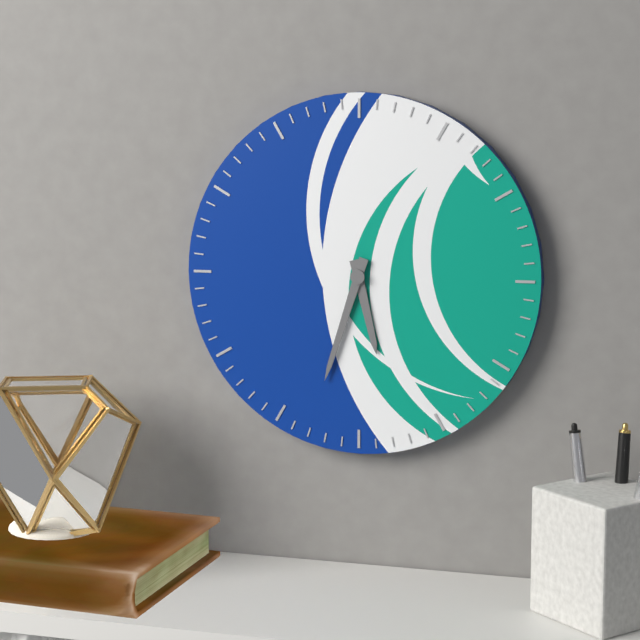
5:33
